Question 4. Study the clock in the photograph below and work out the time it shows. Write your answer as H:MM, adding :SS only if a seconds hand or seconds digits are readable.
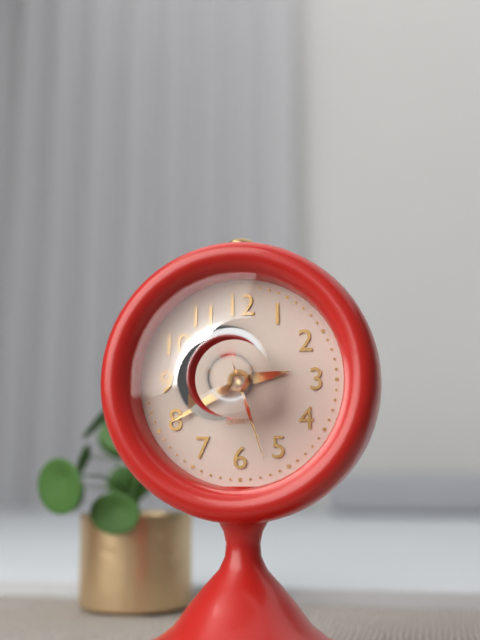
2:40:27
